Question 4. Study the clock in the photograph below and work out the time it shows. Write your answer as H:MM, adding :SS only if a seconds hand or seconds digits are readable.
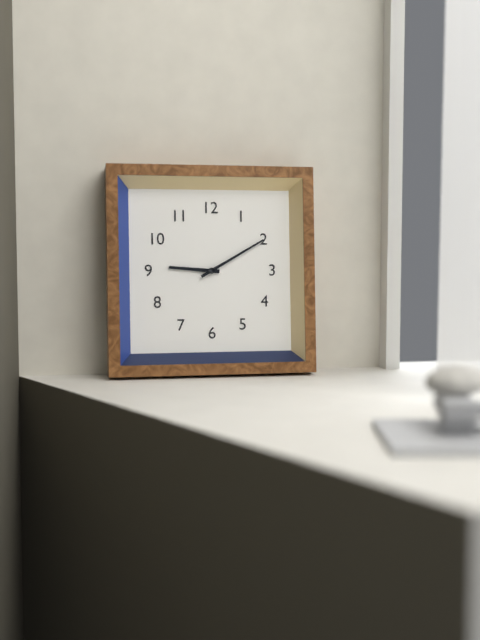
9:10
